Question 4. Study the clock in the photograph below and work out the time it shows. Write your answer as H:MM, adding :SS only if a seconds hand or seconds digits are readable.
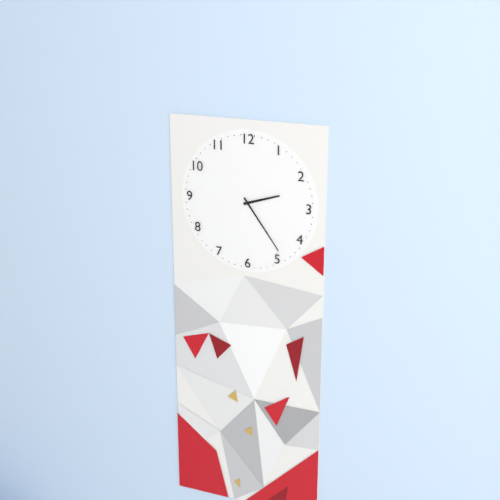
2:24
